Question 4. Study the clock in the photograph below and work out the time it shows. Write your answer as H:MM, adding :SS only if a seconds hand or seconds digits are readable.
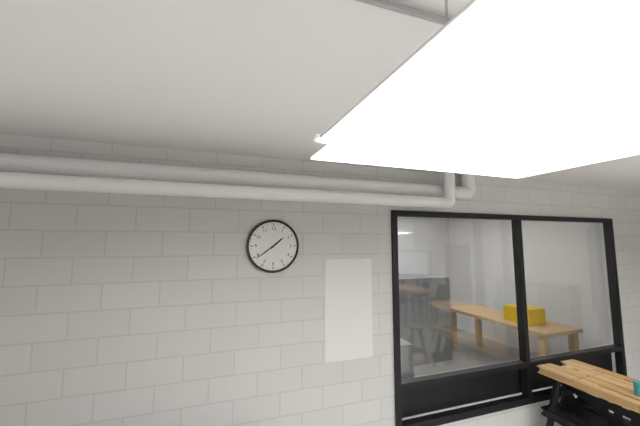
1:39
